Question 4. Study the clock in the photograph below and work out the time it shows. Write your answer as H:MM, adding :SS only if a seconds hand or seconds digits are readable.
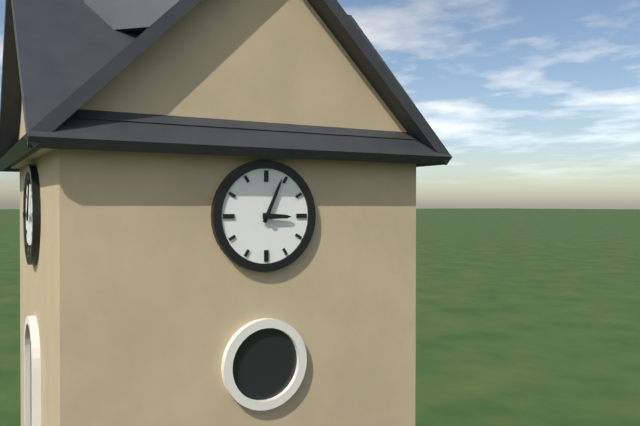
3:04
